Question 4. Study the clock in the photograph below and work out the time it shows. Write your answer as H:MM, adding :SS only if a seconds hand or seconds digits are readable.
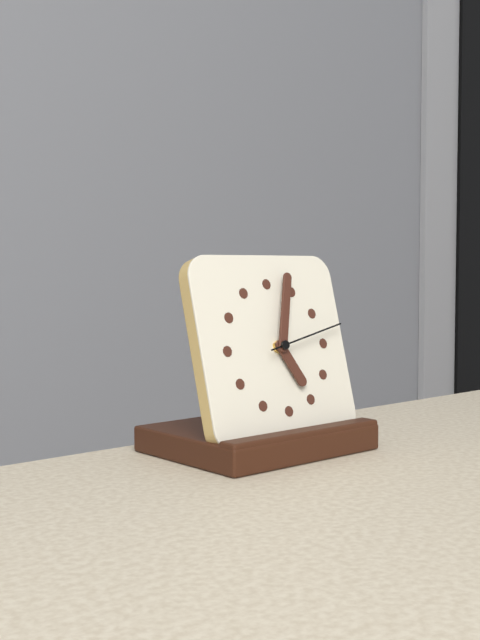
5:03:13
